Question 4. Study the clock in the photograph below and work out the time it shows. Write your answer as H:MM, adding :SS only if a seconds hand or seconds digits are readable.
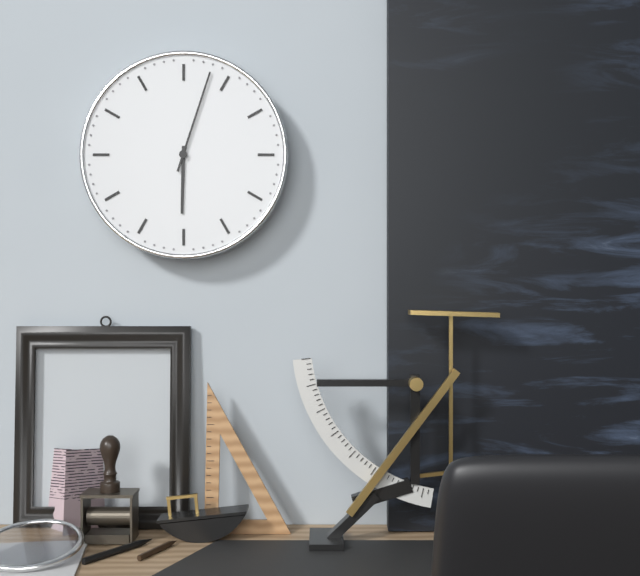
6:03
